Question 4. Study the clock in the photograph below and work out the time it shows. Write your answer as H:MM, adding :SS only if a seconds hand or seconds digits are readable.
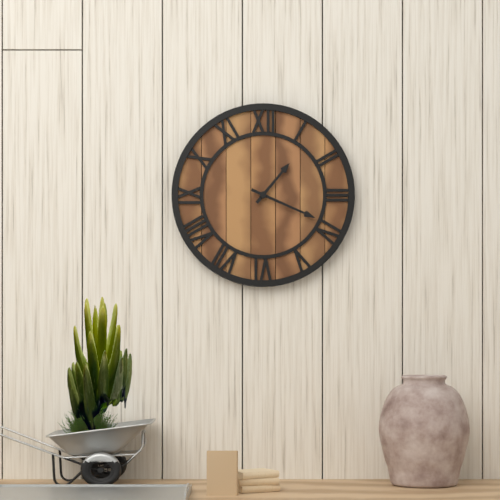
1:19
